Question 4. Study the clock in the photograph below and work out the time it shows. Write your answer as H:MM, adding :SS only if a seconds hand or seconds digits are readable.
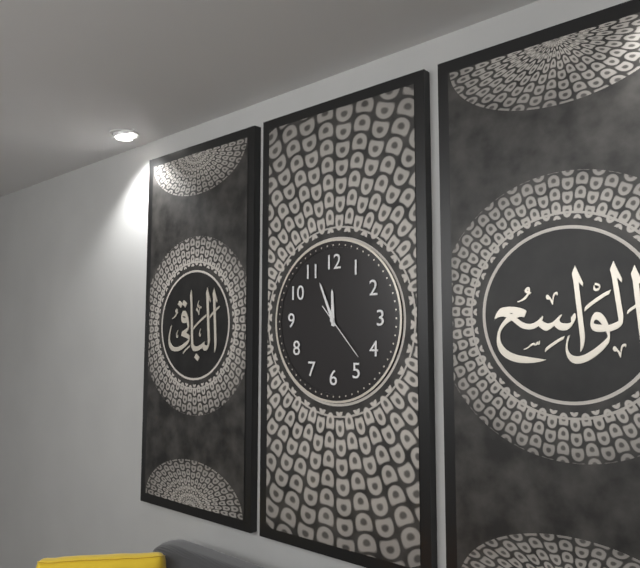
11:56:23
